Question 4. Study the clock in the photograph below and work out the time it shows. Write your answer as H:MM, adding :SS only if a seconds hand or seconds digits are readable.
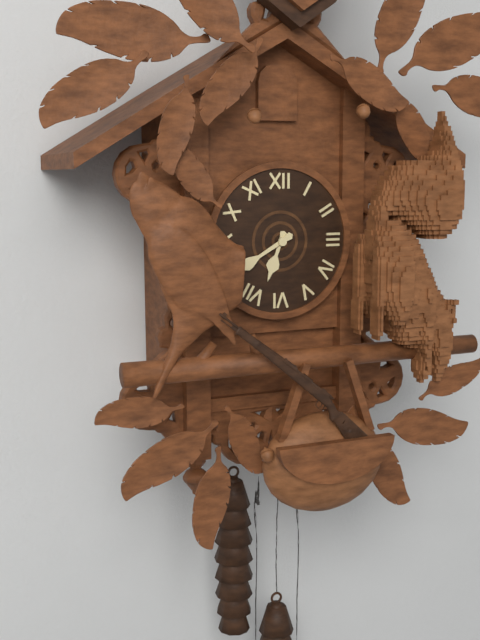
6:40
